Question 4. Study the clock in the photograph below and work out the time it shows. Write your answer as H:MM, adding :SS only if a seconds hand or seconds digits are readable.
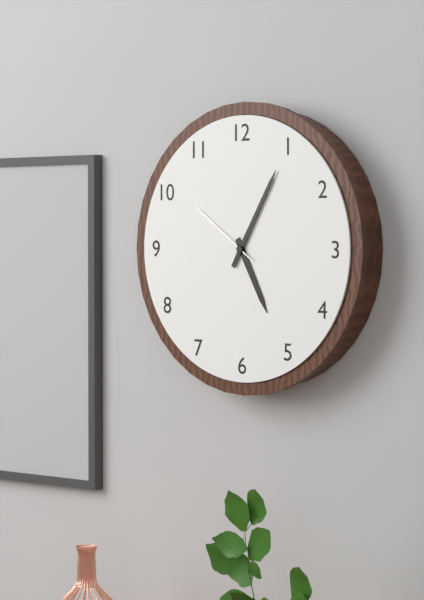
5:05:51
